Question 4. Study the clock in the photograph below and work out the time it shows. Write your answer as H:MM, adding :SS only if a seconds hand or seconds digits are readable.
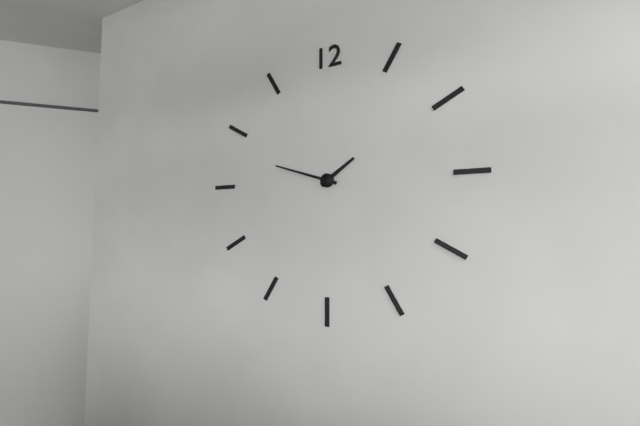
1:48
